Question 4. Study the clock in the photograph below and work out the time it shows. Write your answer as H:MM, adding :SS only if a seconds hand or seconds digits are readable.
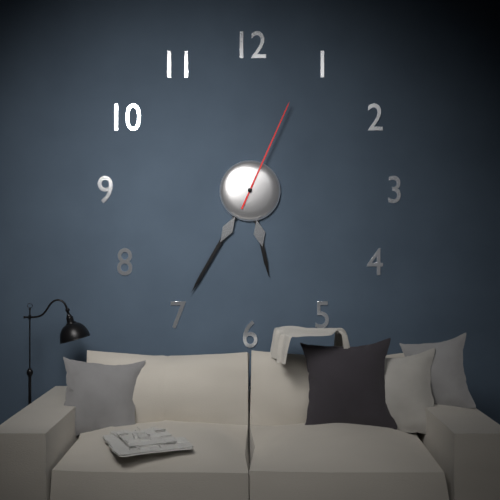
5:35:04
